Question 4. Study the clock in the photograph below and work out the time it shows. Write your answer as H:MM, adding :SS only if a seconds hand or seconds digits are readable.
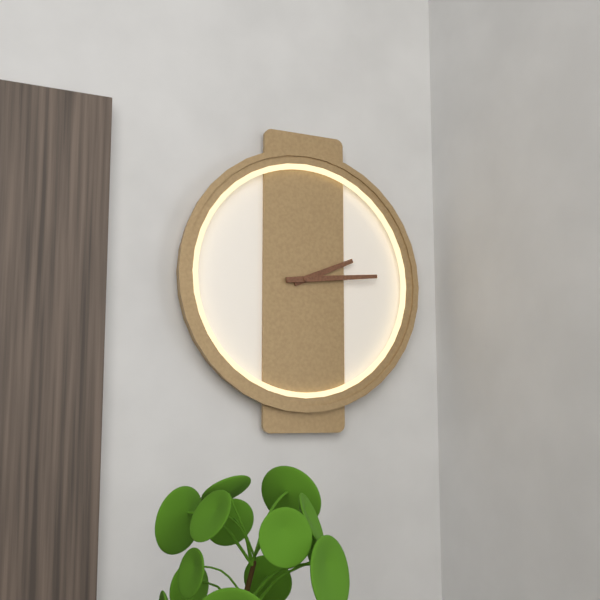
2:14
